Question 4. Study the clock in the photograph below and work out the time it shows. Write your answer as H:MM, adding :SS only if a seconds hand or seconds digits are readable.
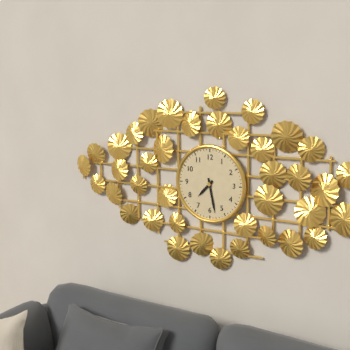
7:28
